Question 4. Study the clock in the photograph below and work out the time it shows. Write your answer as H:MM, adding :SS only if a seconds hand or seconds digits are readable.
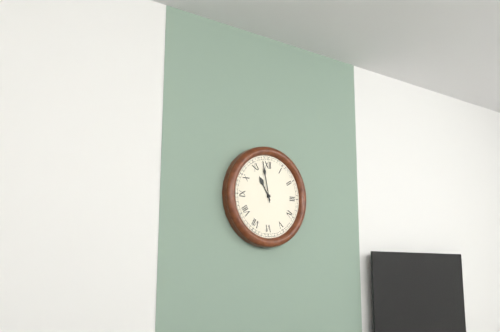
10:58
